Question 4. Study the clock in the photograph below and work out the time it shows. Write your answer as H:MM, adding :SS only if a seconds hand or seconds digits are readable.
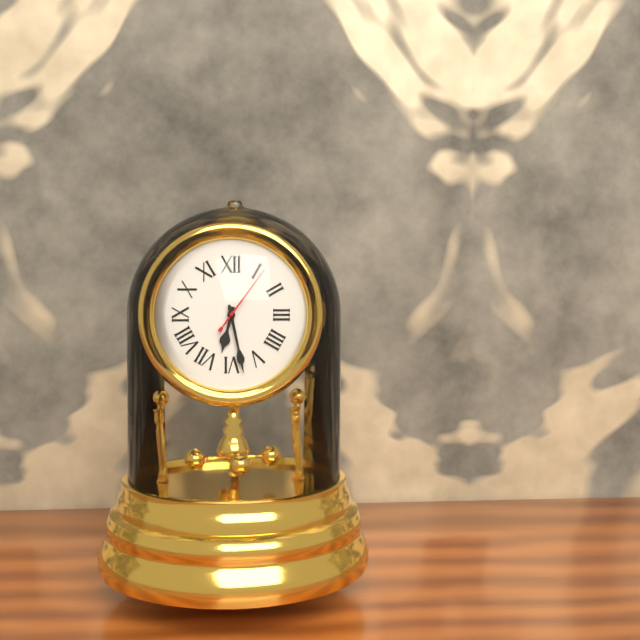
6:28:06
